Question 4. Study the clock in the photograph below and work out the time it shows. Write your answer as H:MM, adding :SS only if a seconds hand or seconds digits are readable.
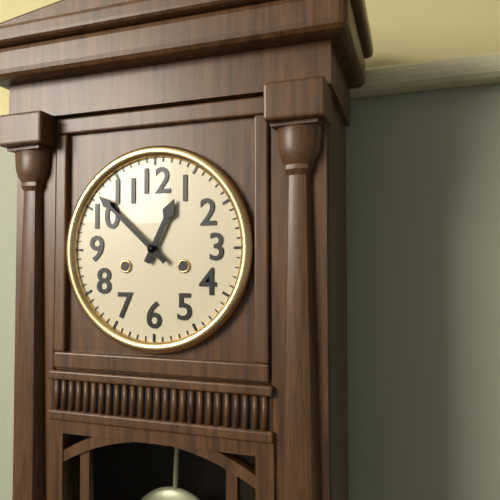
12:52
